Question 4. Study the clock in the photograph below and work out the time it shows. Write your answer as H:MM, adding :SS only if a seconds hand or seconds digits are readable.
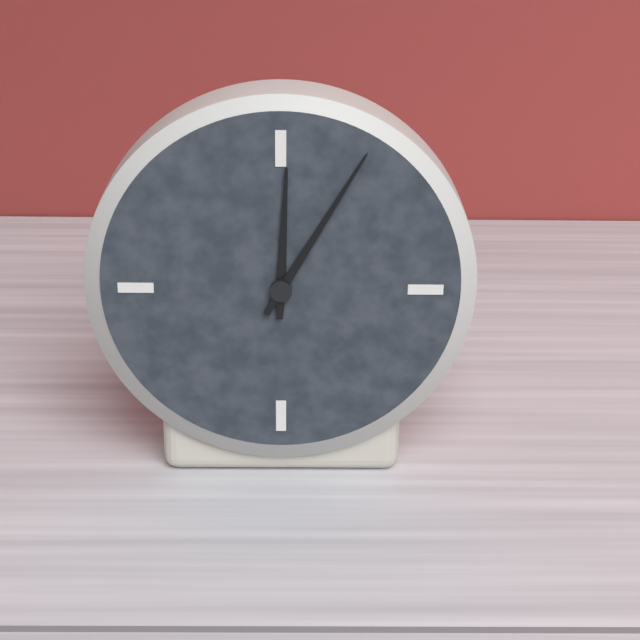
12:05
